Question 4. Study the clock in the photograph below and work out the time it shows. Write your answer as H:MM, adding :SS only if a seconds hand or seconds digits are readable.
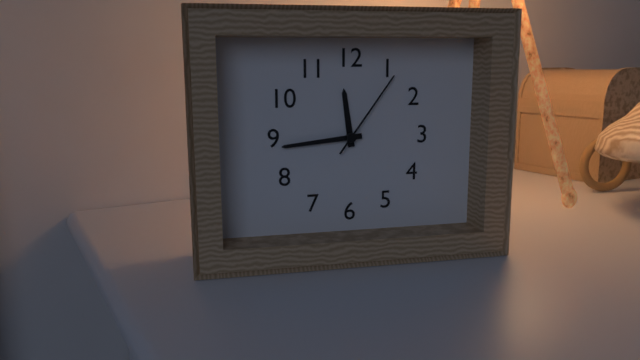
11:44:06
